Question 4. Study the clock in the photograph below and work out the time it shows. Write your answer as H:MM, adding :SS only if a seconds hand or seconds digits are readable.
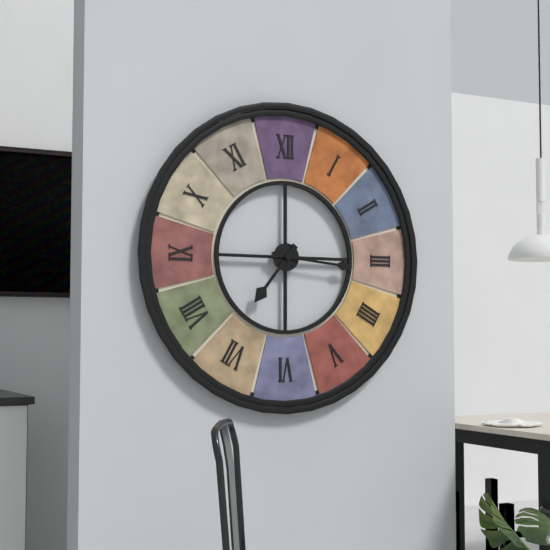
7:16
